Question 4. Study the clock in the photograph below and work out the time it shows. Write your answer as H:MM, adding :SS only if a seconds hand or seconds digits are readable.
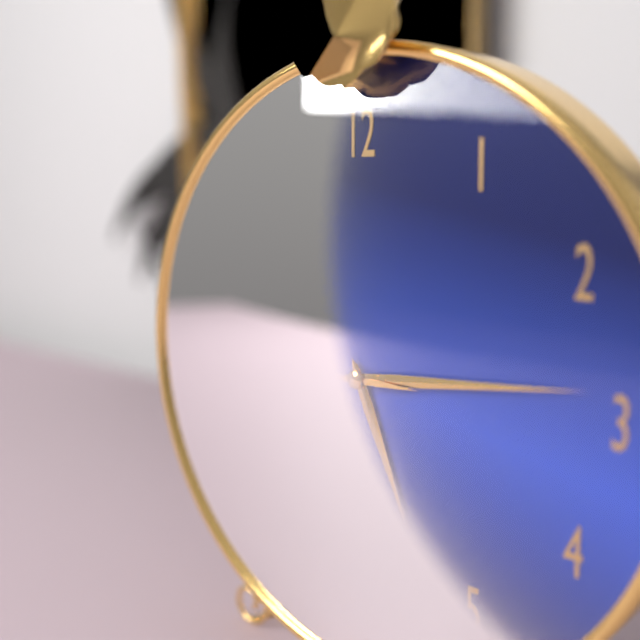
5:14:45
